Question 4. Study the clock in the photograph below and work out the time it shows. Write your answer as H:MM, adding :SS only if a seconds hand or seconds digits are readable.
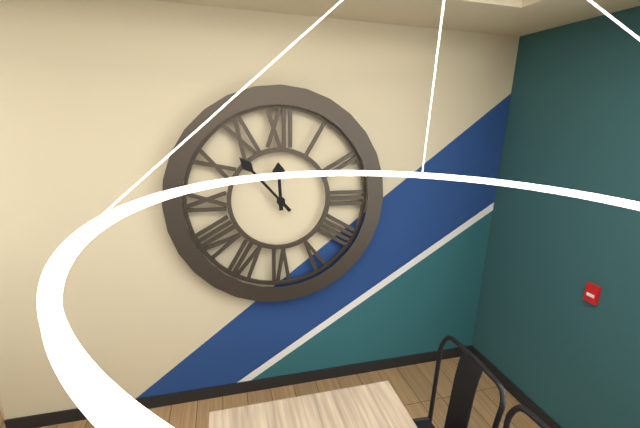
11:53
